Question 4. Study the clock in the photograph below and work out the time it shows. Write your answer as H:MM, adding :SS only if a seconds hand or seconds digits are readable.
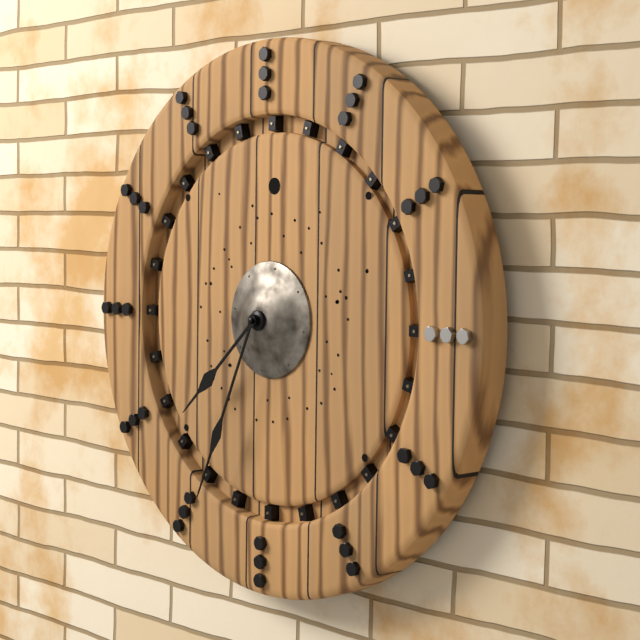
7:34
